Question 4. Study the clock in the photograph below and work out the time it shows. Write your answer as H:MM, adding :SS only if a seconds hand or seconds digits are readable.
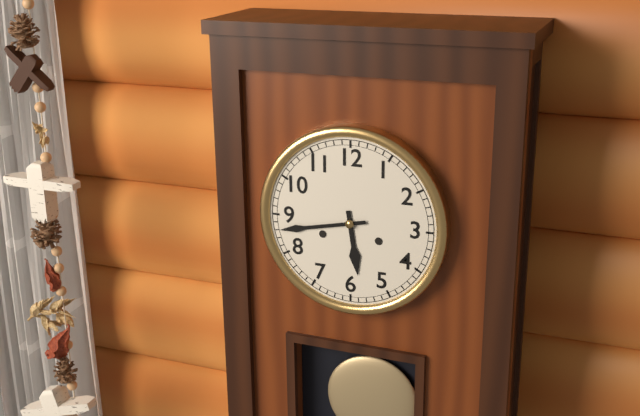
5:43
